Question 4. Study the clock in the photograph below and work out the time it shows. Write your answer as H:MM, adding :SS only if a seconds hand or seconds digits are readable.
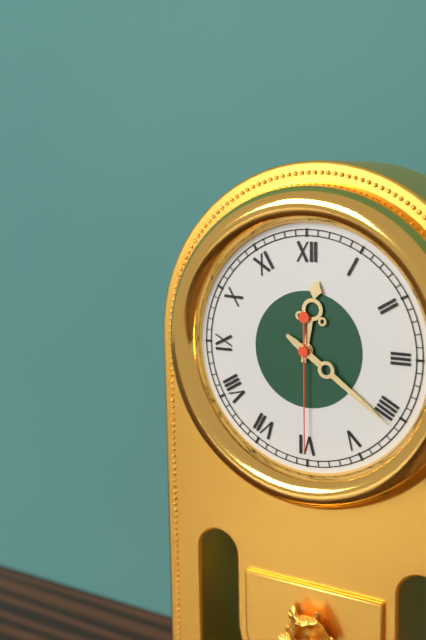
12:21:30
